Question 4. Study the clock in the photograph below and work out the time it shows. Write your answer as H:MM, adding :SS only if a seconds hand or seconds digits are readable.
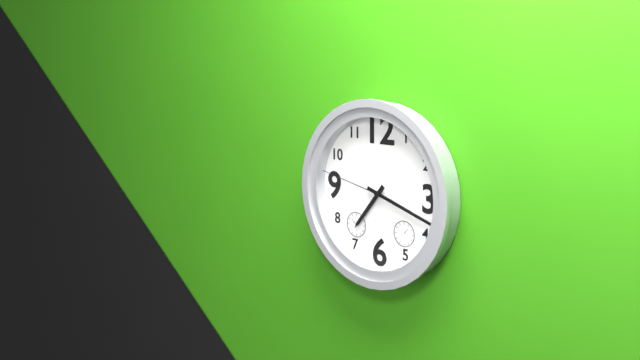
7:18:47
